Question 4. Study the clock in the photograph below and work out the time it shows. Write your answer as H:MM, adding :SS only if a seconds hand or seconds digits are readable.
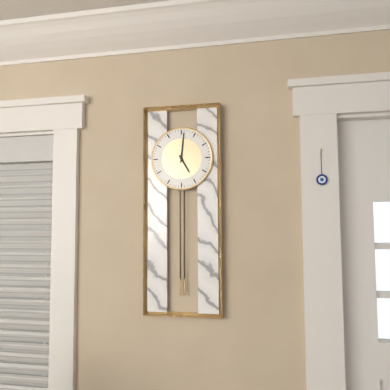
5:01
